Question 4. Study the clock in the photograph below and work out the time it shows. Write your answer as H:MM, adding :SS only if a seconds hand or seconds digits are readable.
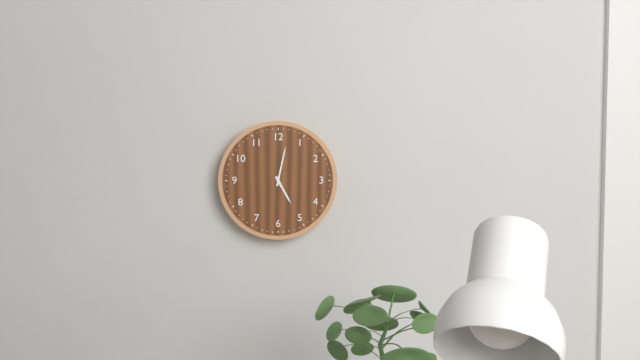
5:02
